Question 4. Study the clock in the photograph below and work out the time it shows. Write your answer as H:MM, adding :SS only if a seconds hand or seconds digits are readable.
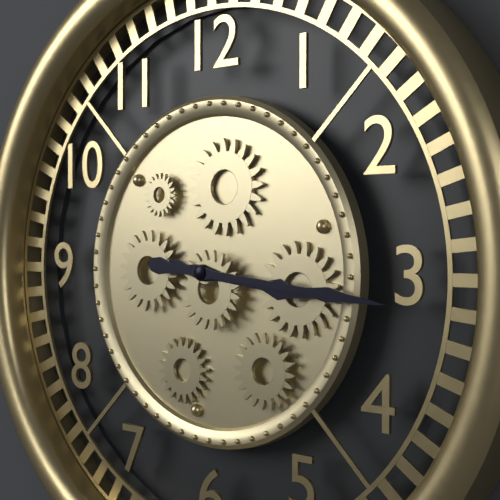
3:16
